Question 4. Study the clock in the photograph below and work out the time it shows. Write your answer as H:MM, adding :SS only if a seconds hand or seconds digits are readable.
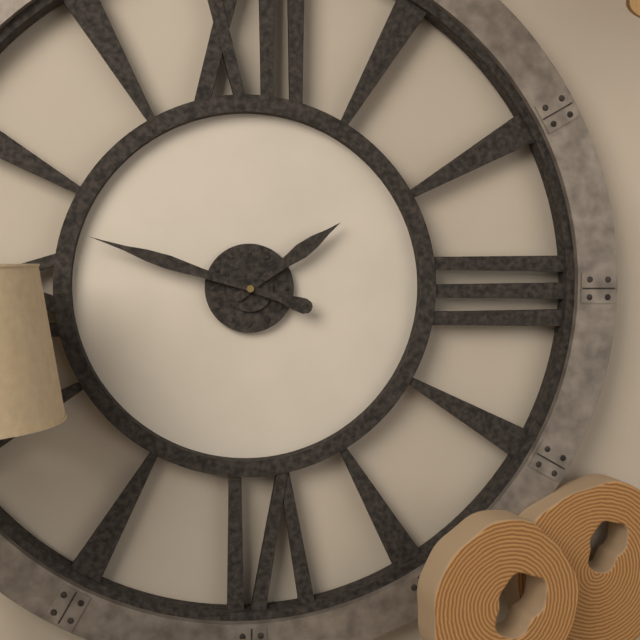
1:48
